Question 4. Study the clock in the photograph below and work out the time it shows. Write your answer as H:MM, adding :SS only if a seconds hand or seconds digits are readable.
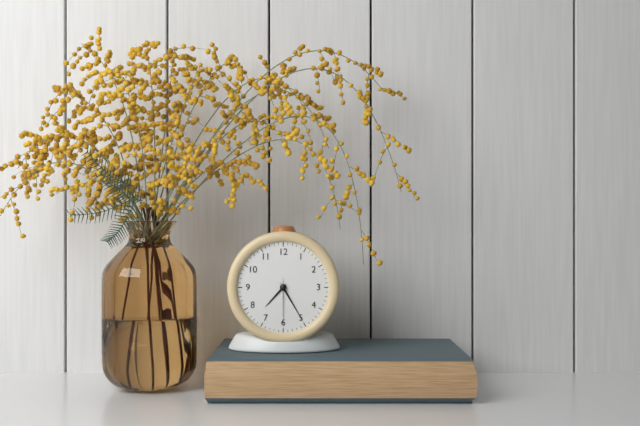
7:25:30
